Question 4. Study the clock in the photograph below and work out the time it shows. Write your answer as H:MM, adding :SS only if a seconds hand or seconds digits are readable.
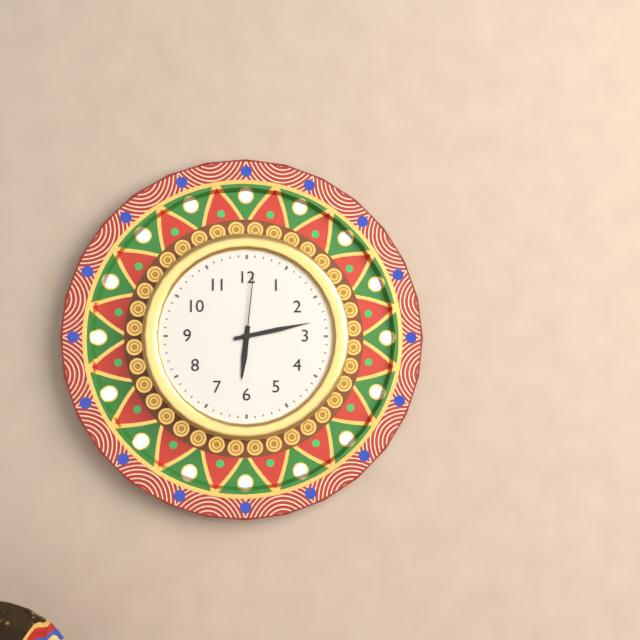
6:13:01
